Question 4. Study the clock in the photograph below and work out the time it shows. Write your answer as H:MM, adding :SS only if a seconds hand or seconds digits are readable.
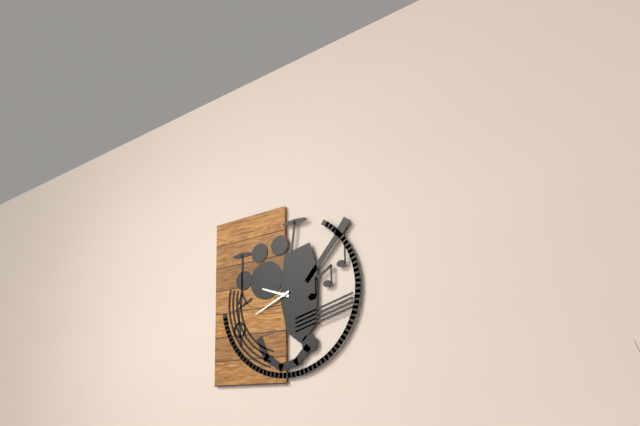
9:41
